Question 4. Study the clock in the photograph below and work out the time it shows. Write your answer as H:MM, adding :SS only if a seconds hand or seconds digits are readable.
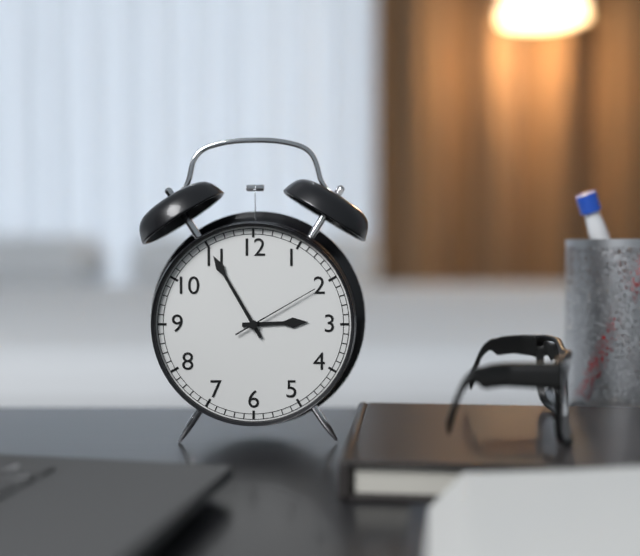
2:55:10
